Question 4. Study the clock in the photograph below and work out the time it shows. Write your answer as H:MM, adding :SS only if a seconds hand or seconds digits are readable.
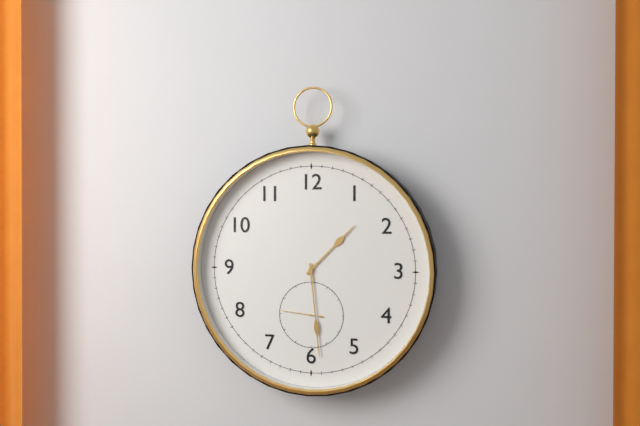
1:29
